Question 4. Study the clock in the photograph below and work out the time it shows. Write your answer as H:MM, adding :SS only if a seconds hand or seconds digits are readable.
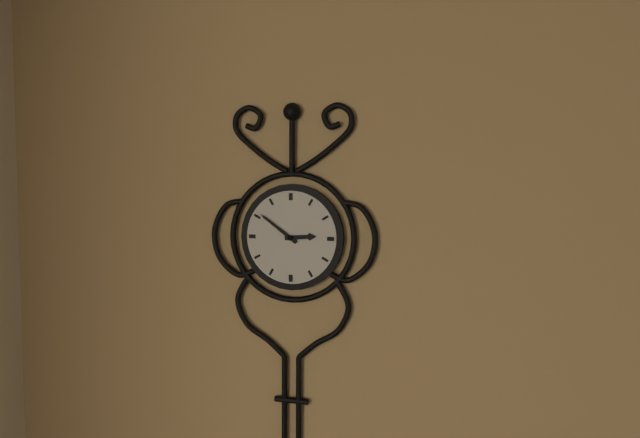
2:51
